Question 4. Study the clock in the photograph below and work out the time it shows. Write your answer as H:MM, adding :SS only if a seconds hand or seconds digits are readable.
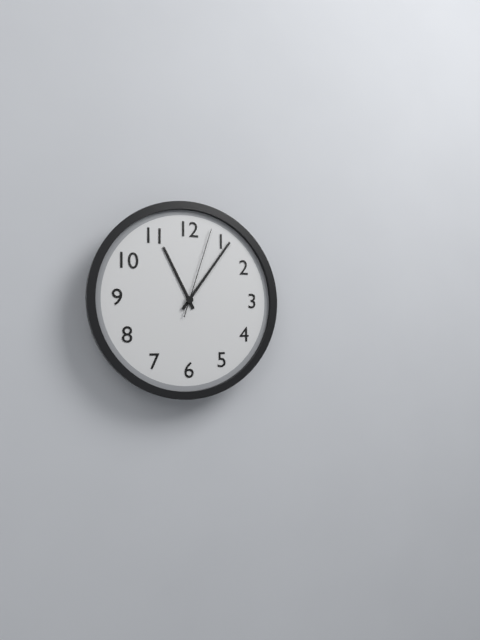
11:06:03
